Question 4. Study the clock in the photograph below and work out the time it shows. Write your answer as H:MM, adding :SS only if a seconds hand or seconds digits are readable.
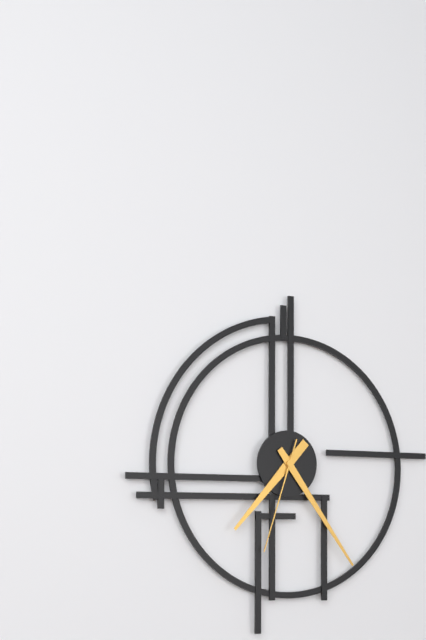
7:24:33
